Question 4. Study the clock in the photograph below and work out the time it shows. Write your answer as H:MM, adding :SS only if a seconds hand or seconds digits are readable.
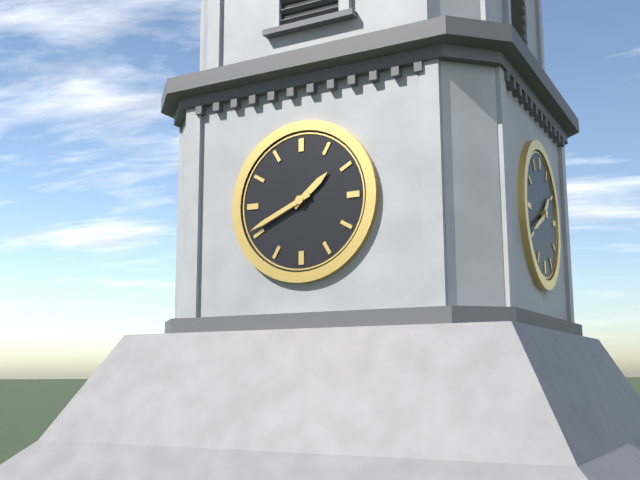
1:41
